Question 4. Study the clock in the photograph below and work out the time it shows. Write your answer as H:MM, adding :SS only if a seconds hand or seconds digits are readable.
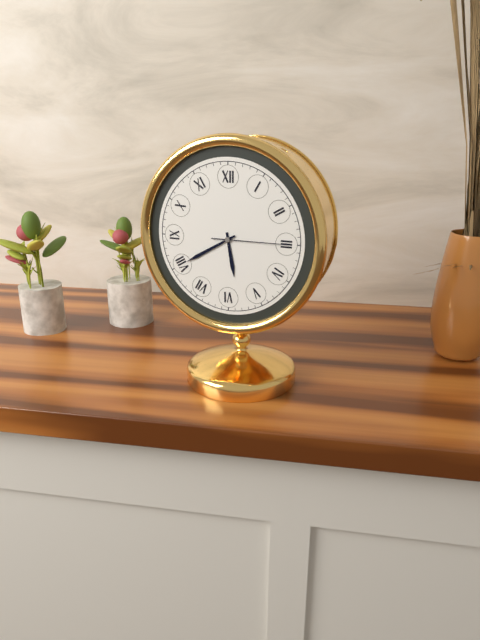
5:40:15
